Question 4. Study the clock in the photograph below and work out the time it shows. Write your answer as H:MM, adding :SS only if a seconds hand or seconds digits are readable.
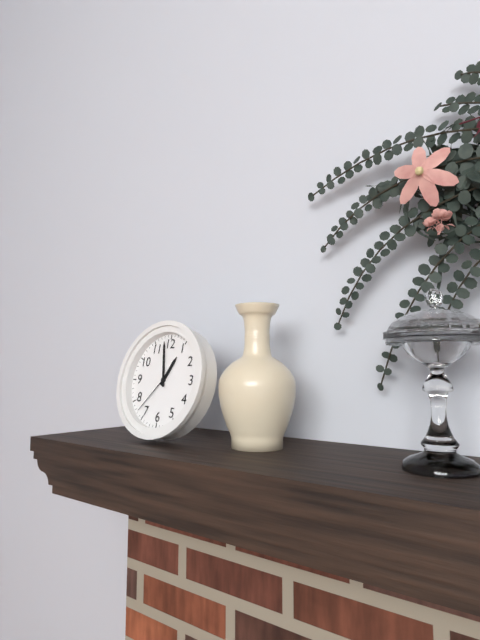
12:58
